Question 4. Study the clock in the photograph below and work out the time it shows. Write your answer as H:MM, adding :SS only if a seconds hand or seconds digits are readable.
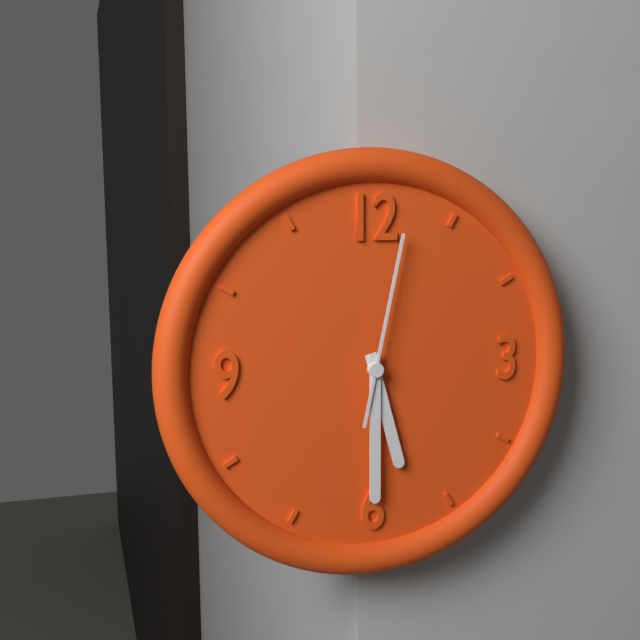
5:30:02
